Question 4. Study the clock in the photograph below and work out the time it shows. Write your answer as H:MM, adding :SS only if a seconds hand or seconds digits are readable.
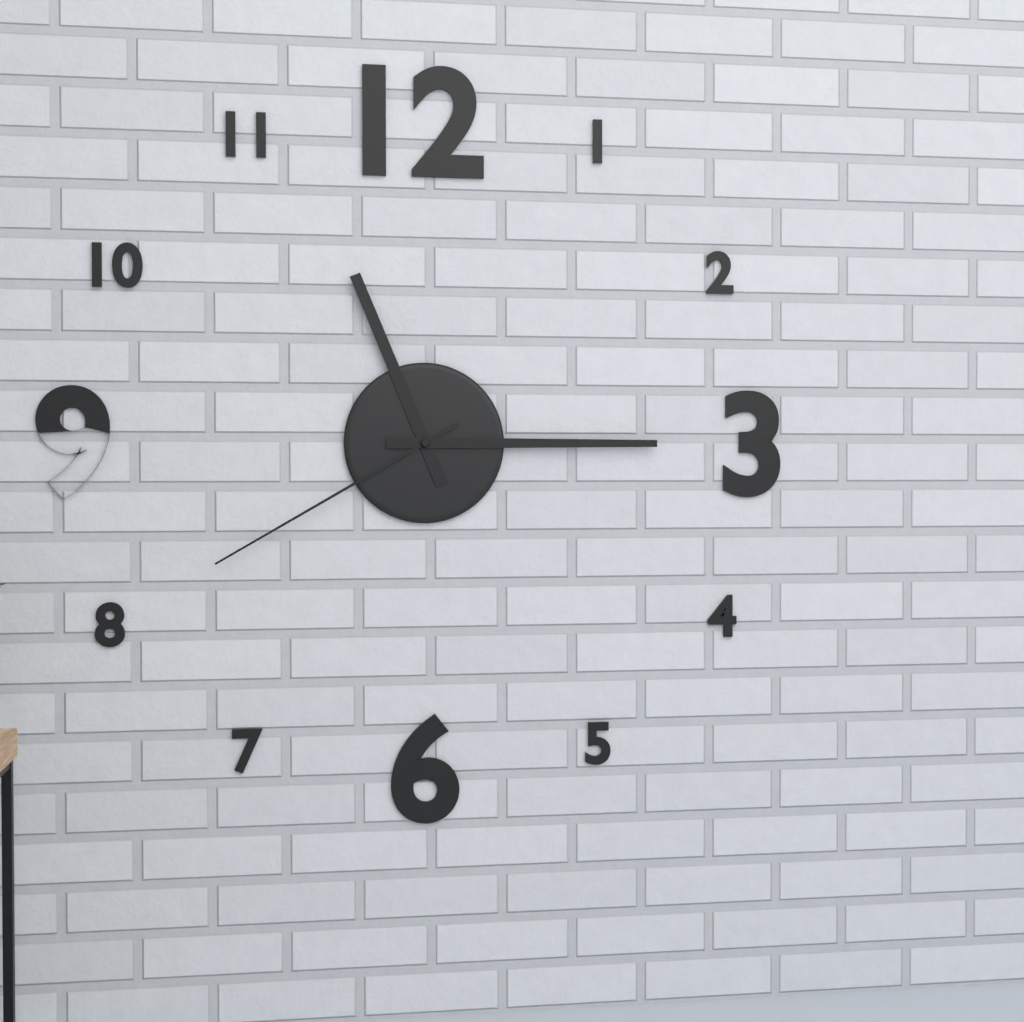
11:15:40
